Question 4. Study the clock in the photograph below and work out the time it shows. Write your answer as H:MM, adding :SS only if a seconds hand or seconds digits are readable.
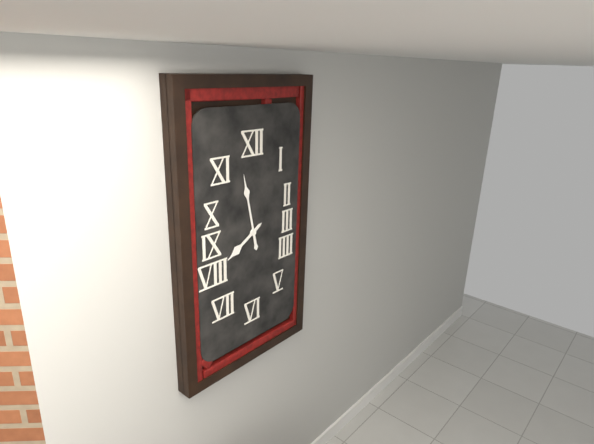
7:58
